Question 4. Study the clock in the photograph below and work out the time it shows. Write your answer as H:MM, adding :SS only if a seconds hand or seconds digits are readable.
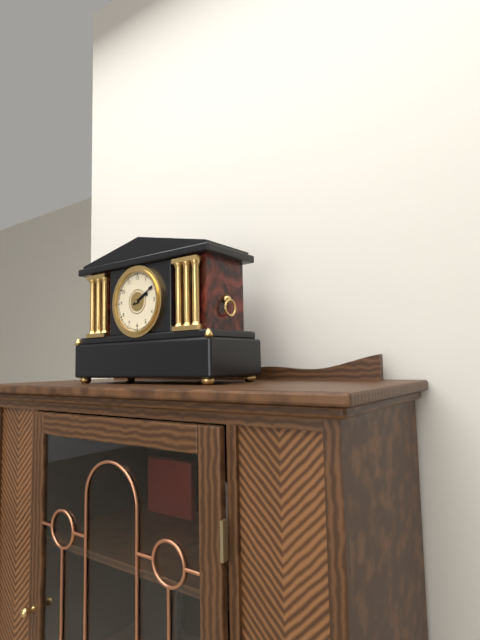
2:10
